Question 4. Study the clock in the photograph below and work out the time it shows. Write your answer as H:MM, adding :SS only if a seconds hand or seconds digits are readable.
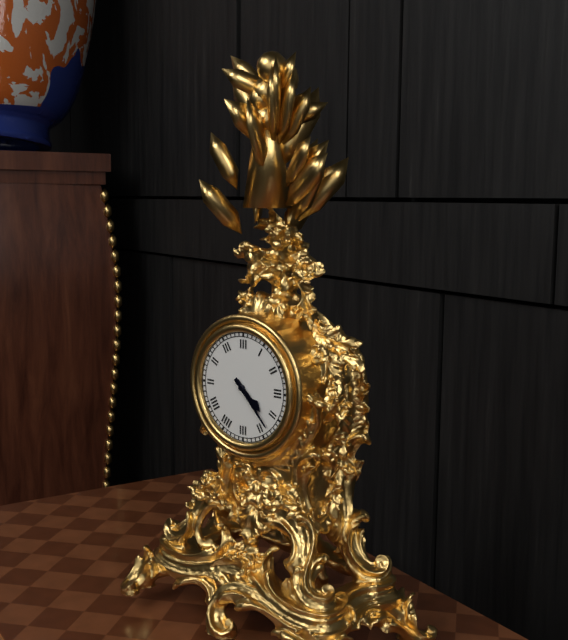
4:23
